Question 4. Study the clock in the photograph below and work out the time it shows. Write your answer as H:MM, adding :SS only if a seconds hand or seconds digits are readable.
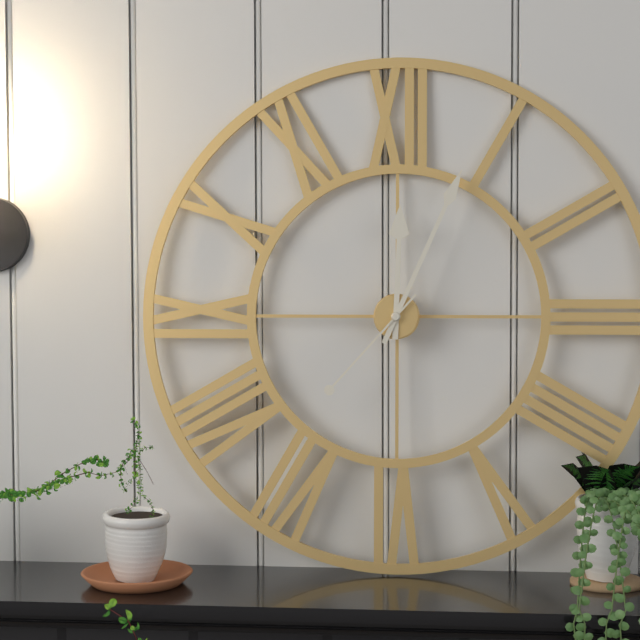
12:04:37
